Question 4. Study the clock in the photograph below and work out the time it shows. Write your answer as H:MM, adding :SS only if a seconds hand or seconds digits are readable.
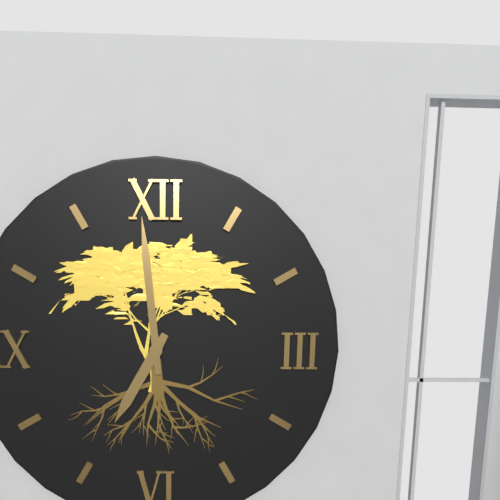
6:59
